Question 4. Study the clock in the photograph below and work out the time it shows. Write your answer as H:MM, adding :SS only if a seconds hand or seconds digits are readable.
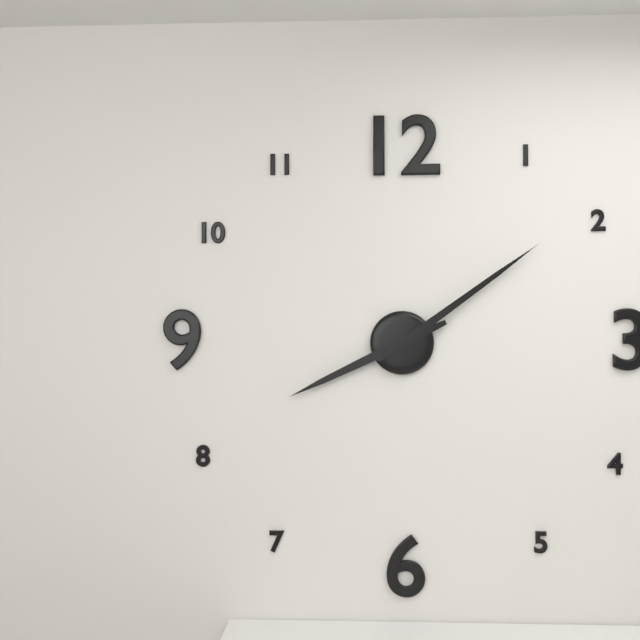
8:09
